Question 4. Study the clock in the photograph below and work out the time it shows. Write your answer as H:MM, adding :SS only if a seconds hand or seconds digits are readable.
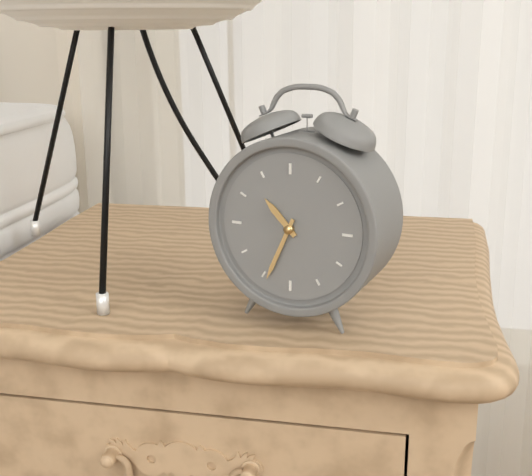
10:34
